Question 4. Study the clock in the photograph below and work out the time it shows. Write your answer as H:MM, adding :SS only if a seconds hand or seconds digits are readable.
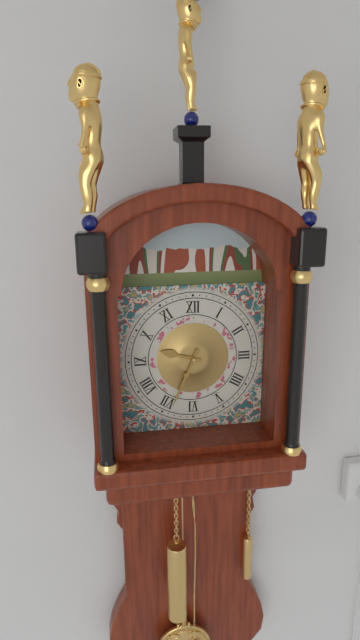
9:34
